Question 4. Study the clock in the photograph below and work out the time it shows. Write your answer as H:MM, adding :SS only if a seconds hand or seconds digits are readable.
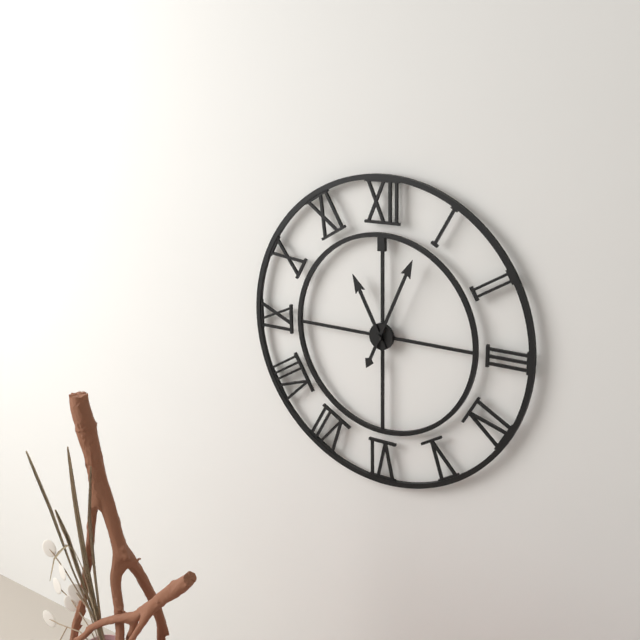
11:04
